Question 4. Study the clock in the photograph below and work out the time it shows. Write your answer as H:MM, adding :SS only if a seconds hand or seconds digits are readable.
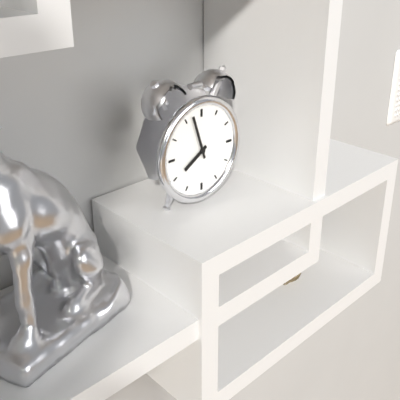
7:57
